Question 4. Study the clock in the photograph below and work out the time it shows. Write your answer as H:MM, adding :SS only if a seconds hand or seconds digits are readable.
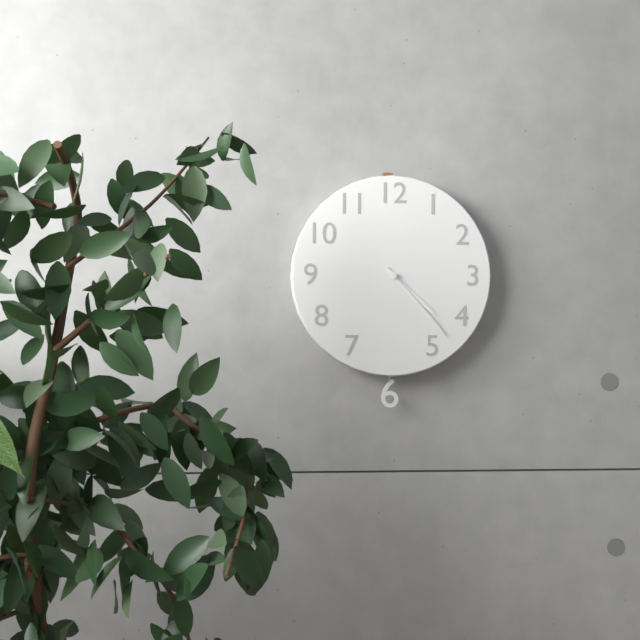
4:23
